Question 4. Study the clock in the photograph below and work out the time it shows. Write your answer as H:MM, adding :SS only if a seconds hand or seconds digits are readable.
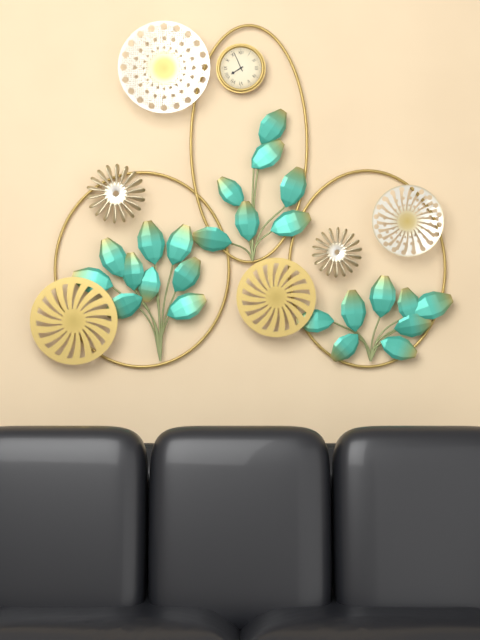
7:56
